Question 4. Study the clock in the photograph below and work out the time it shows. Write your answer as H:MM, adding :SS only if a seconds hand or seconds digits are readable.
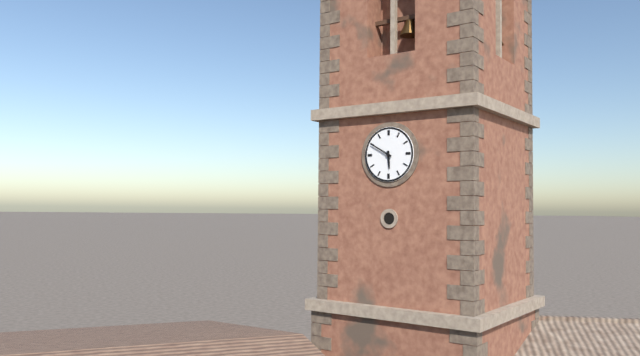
5:50
